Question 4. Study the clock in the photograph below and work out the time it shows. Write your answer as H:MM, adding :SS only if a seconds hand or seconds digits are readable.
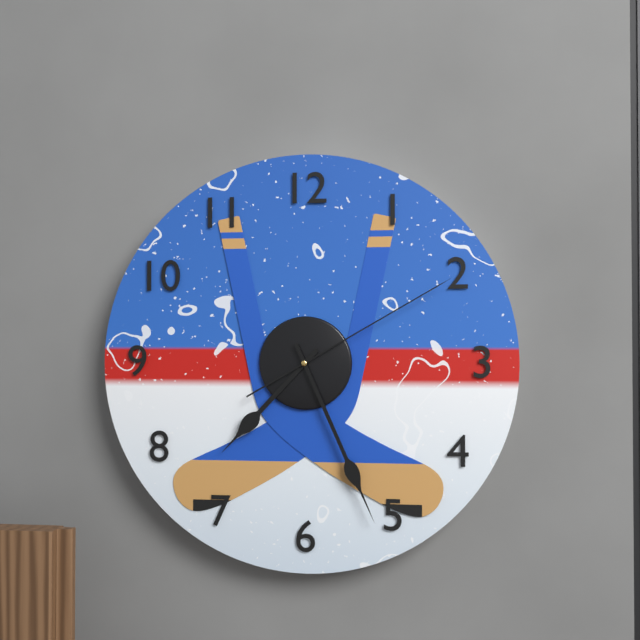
7:26:10
